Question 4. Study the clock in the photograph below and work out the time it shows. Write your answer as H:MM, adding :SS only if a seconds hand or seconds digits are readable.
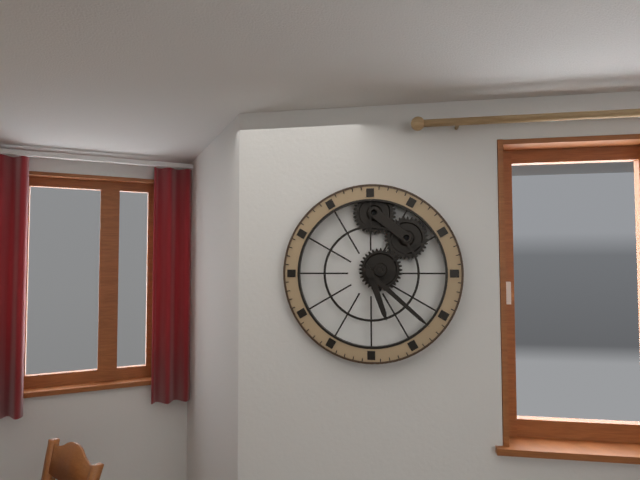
5:22
